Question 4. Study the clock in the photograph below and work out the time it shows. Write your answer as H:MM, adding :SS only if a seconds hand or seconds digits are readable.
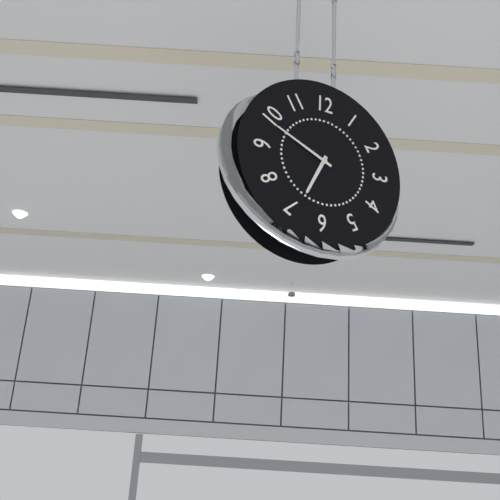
6:49
